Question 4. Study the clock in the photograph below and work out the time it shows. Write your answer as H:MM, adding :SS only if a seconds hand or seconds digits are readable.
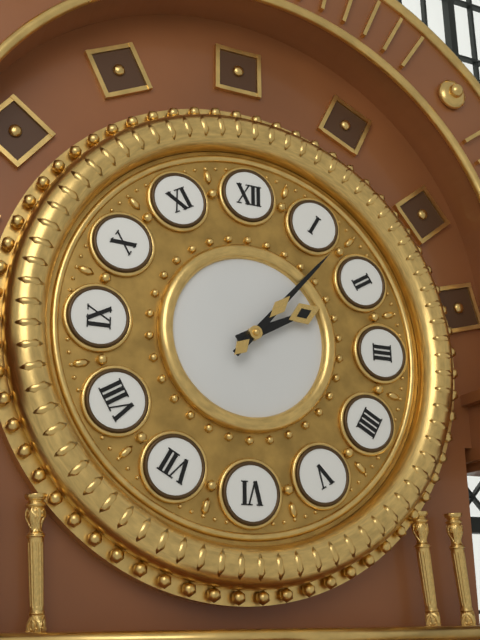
2:07
